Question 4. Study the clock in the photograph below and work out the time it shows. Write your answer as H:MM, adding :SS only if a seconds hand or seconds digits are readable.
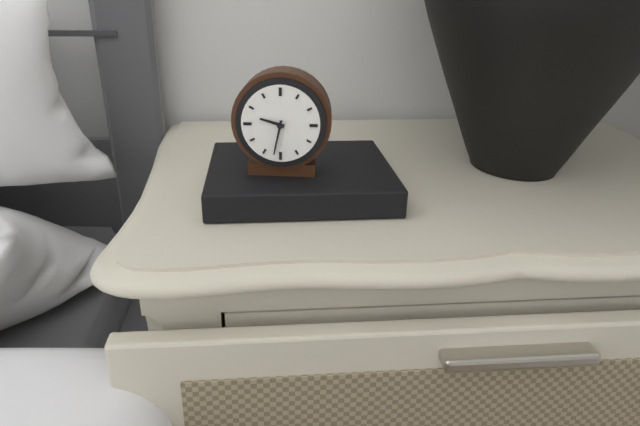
9:32
